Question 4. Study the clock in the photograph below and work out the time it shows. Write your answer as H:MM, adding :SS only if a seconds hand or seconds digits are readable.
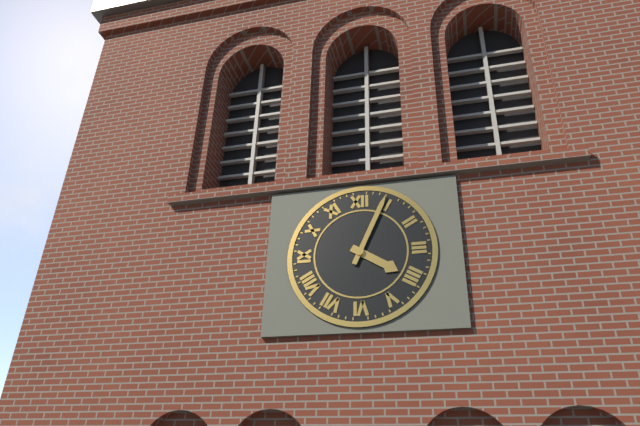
4:04
